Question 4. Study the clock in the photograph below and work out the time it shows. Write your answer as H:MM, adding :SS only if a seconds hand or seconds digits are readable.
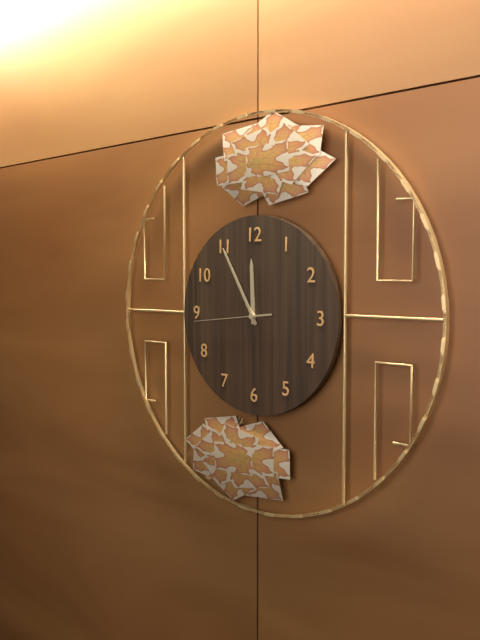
11:55:44
